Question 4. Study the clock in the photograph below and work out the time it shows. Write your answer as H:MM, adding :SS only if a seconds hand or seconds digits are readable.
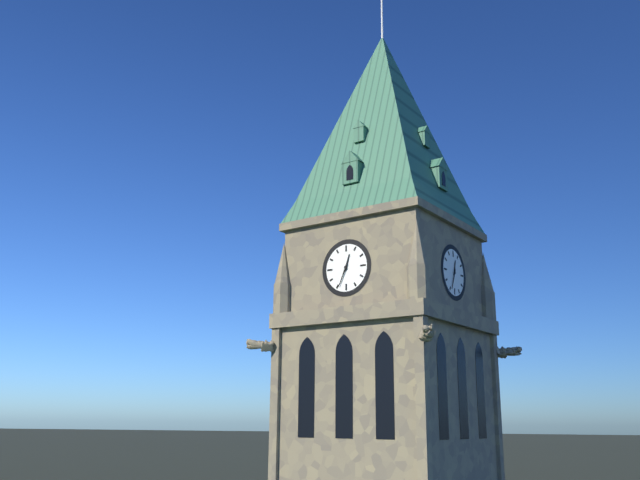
12:34
